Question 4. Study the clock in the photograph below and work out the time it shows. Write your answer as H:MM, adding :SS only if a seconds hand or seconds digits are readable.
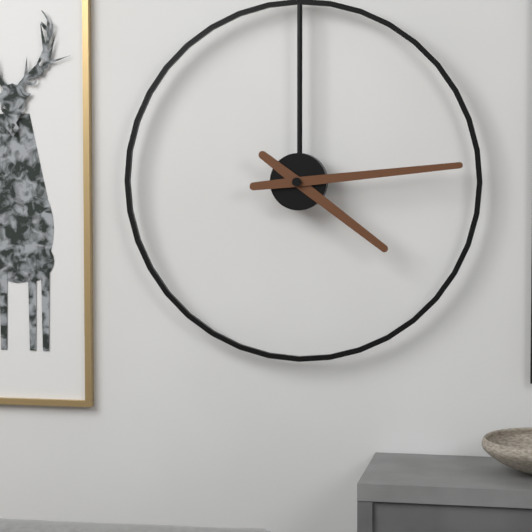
4:14
